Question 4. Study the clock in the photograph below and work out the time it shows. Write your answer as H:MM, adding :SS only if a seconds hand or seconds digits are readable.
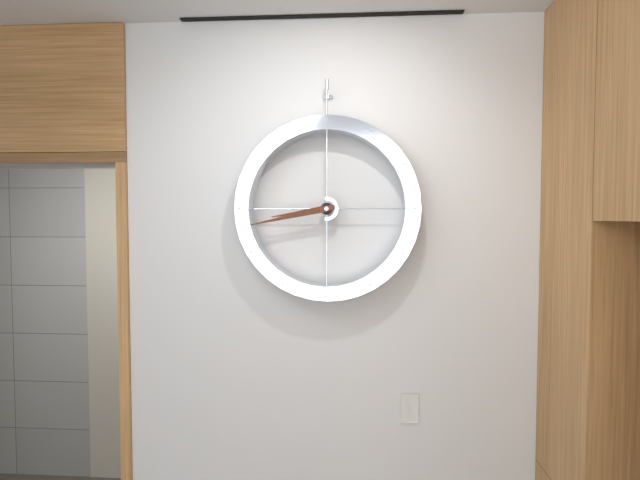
8:43
